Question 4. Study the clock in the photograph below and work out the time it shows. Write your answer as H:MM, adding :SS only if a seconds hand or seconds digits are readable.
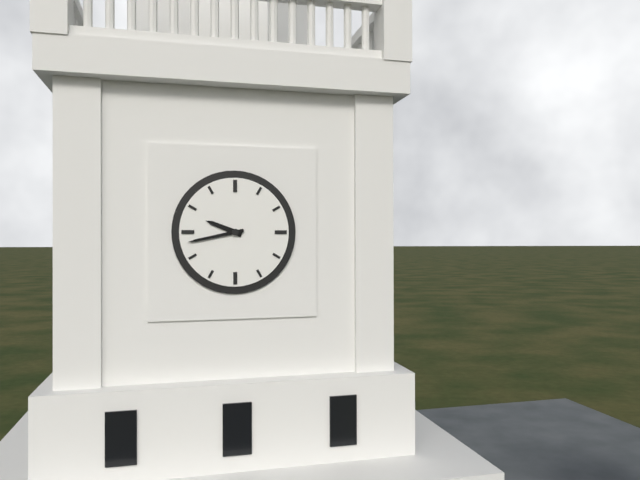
9:43
